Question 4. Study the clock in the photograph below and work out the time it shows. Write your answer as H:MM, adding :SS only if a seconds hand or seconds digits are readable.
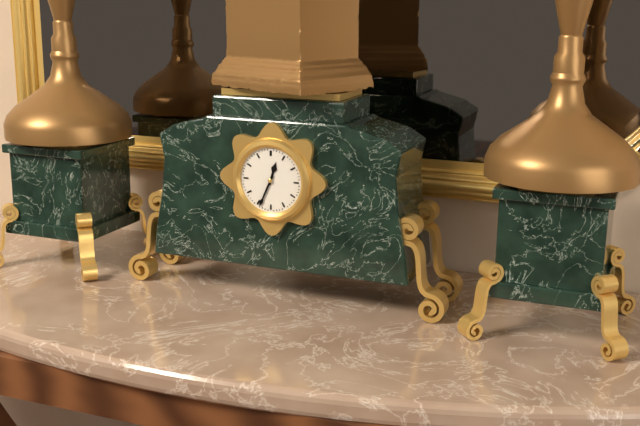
12:34
